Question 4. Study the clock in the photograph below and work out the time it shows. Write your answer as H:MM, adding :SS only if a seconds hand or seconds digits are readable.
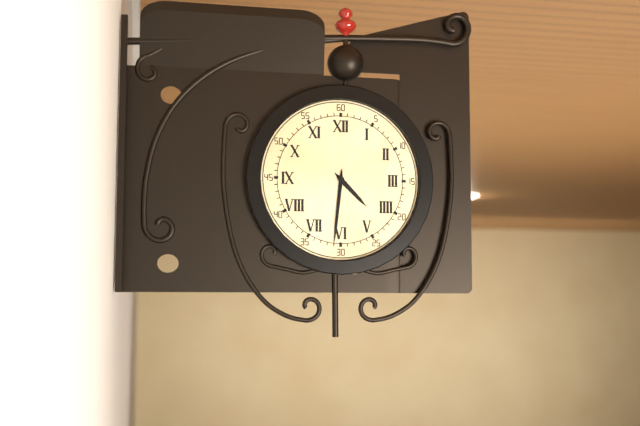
4:31:31
